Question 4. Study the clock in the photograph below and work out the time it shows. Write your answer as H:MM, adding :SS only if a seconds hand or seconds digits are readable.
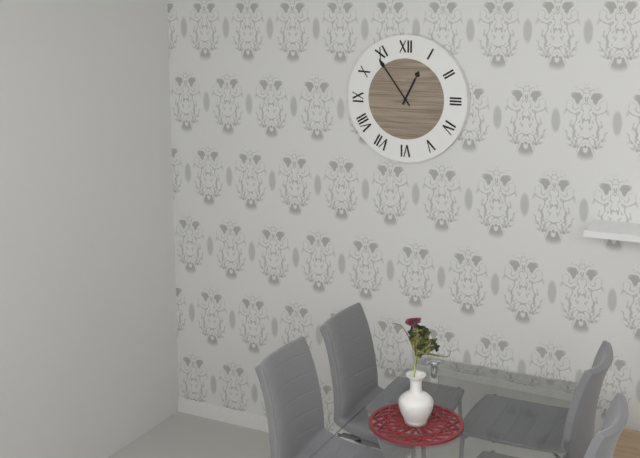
12:54
